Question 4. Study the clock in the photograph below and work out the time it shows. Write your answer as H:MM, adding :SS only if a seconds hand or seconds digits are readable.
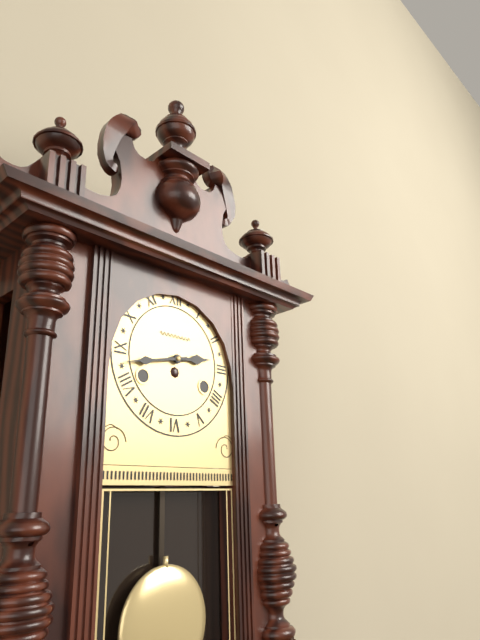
2:43
